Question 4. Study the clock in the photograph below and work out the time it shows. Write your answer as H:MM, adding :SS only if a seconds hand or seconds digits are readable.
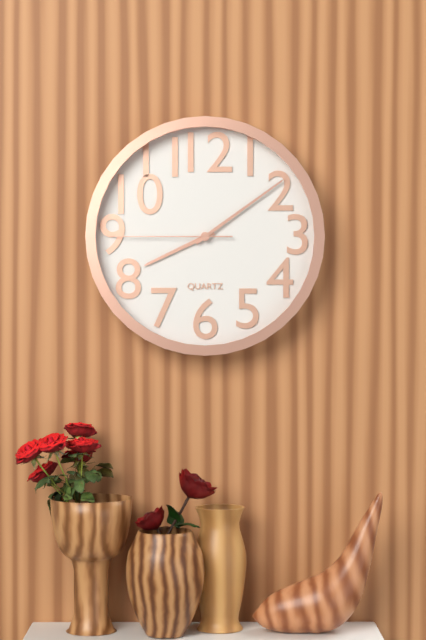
8:09:45
